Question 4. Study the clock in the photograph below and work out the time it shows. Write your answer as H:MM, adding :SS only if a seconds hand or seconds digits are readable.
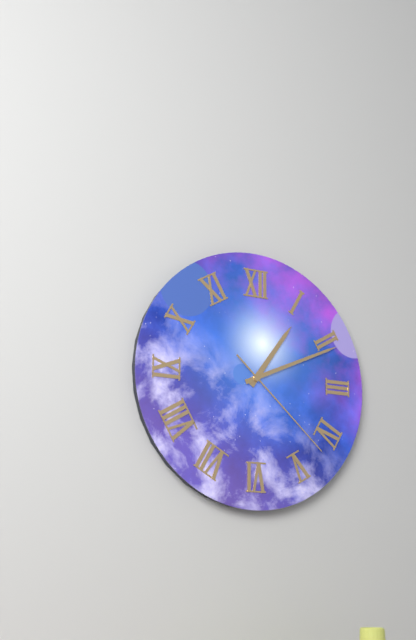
1:11:22
